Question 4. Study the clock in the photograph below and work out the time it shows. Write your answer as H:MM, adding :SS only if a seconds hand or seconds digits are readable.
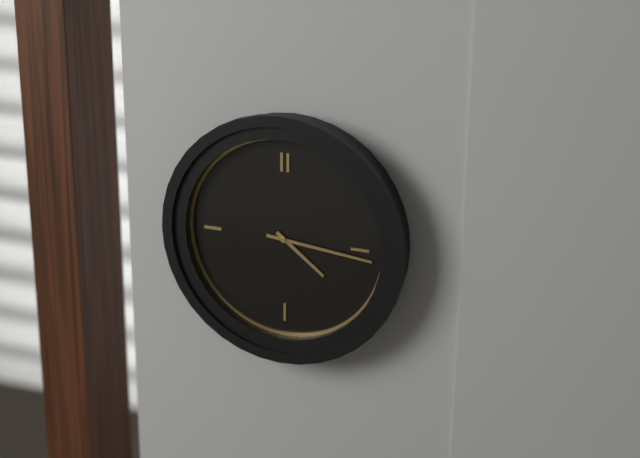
4:16
